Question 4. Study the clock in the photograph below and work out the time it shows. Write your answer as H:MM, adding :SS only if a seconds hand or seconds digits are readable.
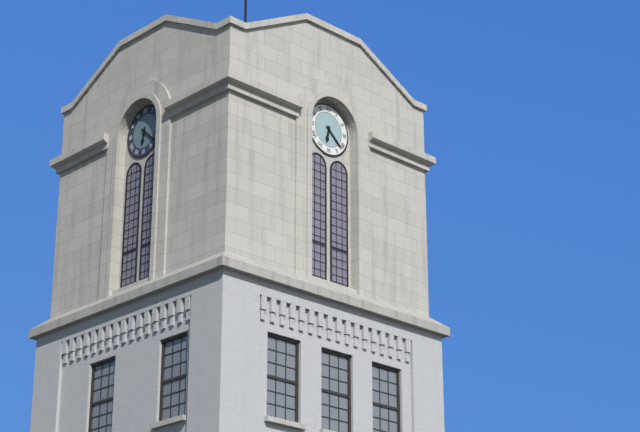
6:22
